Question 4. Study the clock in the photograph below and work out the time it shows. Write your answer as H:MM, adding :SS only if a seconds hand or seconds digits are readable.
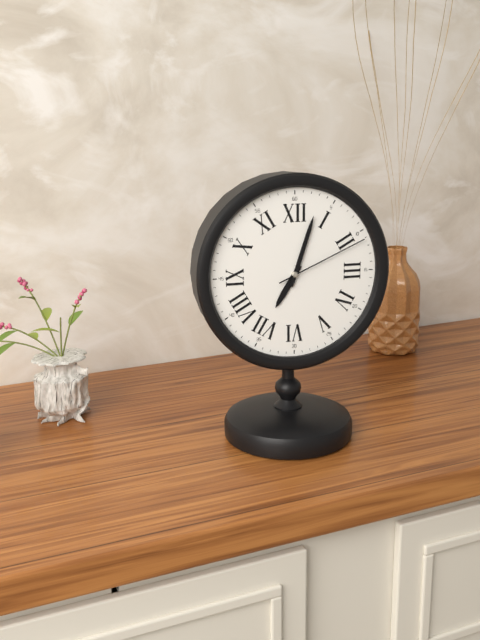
7:03:11
